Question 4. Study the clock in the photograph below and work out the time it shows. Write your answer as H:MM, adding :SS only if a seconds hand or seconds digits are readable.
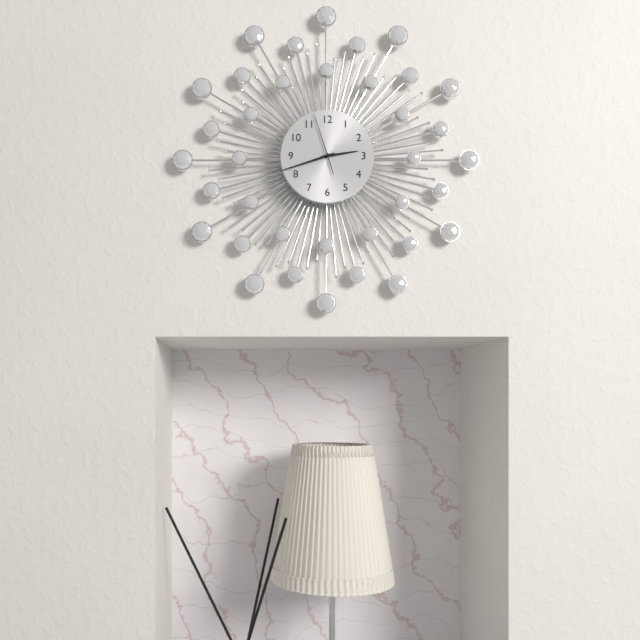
2:42:57
